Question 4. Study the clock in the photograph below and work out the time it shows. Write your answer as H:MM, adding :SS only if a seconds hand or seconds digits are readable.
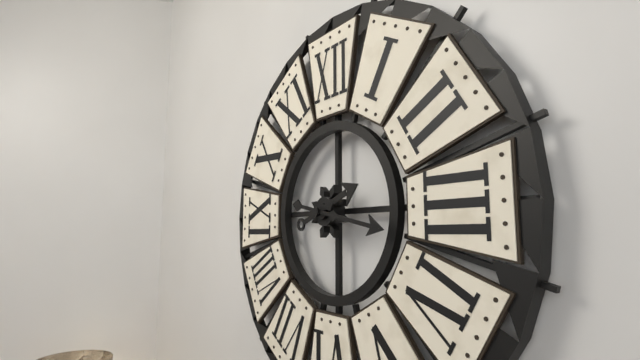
2:17
